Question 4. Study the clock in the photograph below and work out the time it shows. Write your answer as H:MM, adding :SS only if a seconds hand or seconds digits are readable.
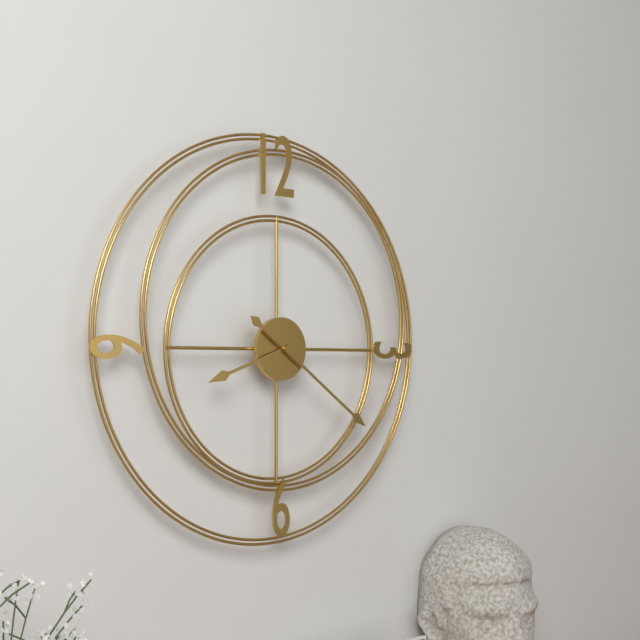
8:21
